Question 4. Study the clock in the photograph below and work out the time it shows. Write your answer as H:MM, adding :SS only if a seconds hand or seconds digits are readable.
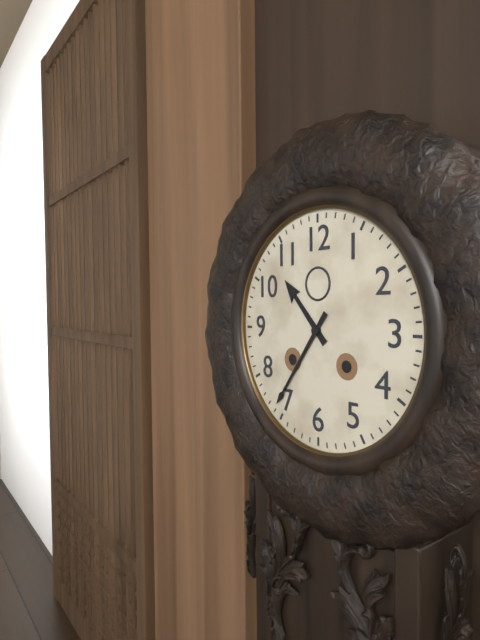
10:36
